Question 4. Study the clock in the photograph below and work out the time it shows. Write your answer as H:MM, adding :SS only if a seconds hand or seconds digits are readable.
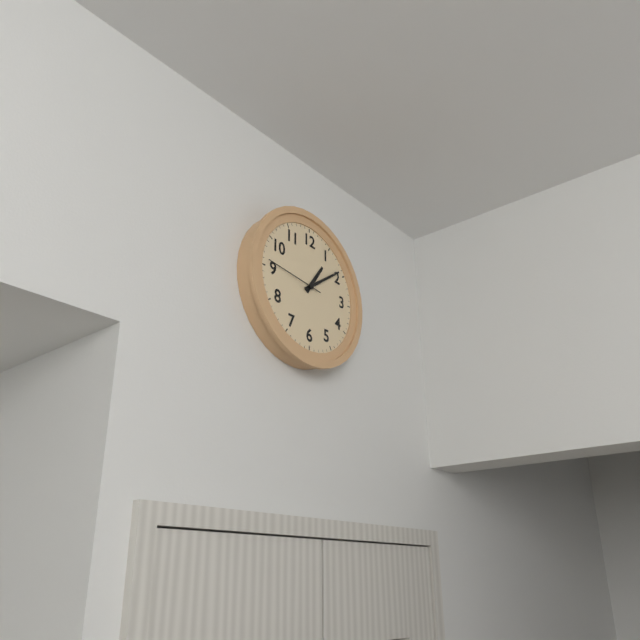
1:09:46
